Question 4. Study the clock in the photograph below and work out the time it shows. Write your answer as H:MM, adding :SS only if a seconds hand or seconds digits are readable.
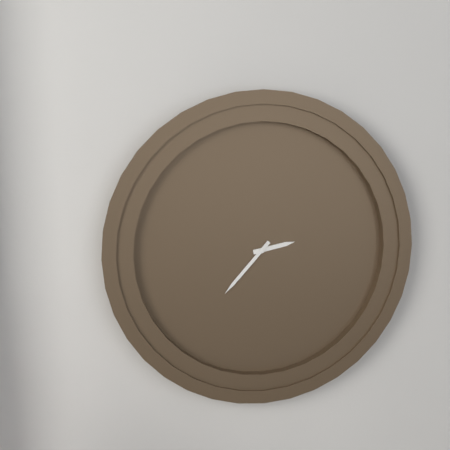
2:37
